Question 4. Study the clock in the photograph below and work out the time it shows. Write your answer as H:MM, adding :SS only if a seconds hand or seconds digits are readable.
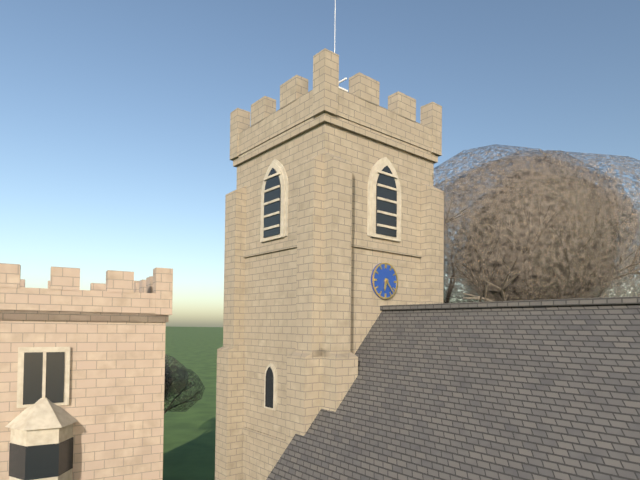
6:23
